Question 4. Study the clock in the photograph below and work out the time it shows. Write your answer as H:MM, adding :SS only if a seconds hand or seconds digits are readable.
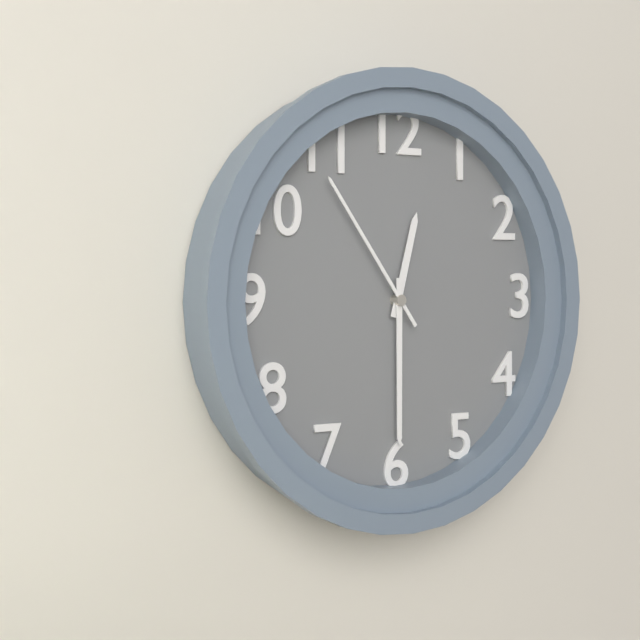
12:30:54
